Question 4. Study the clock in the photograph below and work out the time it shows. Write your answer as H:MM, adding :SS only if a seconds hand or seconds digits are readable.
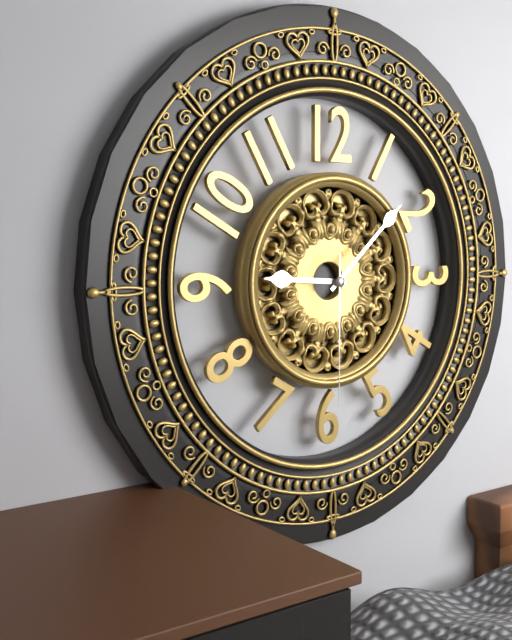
9:08:30
